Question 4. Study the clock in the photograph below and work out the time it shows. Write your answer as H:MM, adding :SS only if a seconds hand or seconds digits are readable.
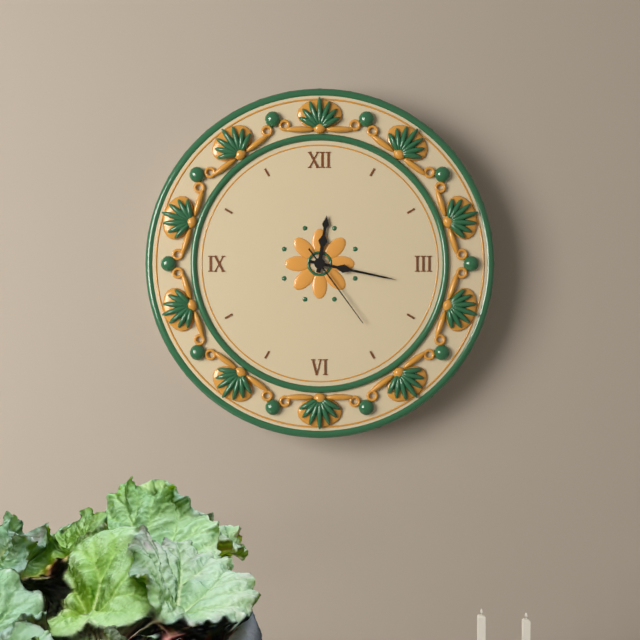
12:17:24
